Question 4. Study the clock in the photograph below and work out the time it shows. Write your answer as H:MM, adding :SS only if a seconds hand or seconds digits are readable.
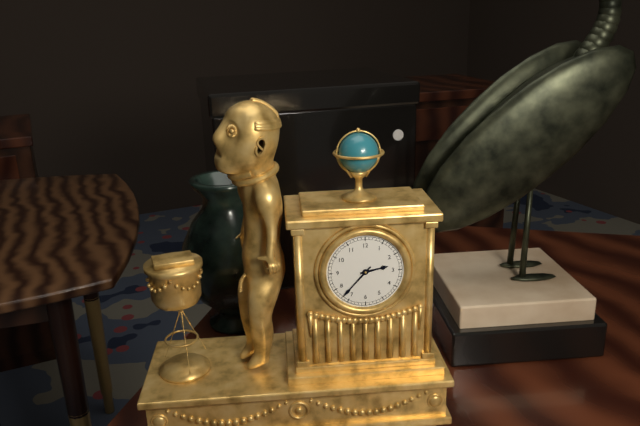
2:37
